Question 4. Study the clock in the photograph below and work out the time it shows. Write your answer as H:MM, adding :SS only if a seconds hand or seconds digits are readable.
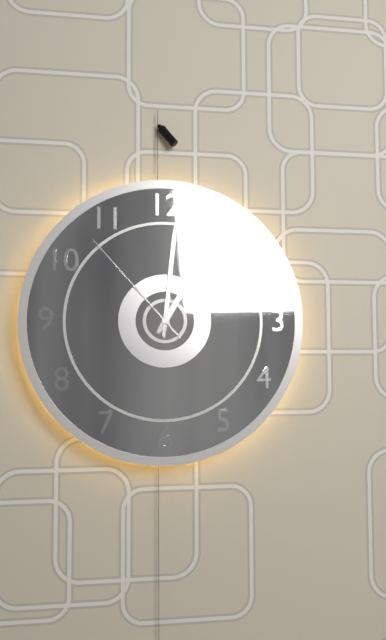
1:01:53
